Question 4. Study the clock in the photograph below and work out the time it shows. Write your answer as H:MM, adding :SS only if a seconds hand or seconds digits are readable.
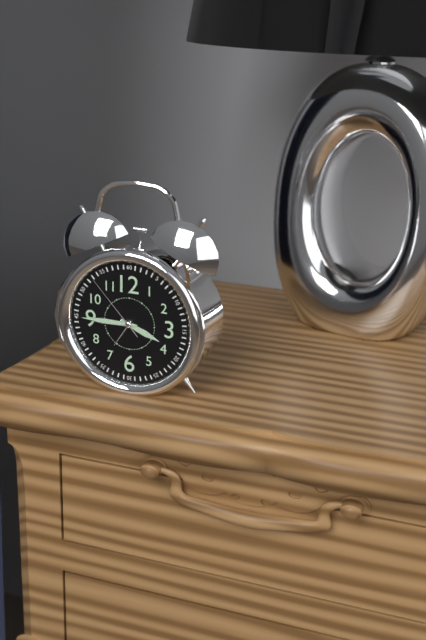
3:45:53
